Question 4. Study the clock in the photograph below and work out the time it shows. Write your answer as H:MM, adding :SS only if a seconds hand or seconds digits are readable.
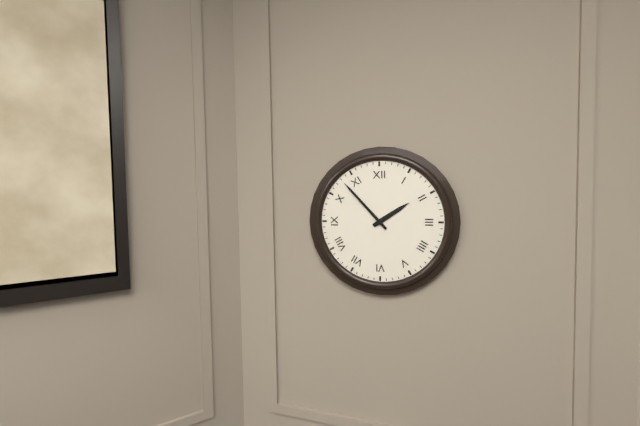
1:53
